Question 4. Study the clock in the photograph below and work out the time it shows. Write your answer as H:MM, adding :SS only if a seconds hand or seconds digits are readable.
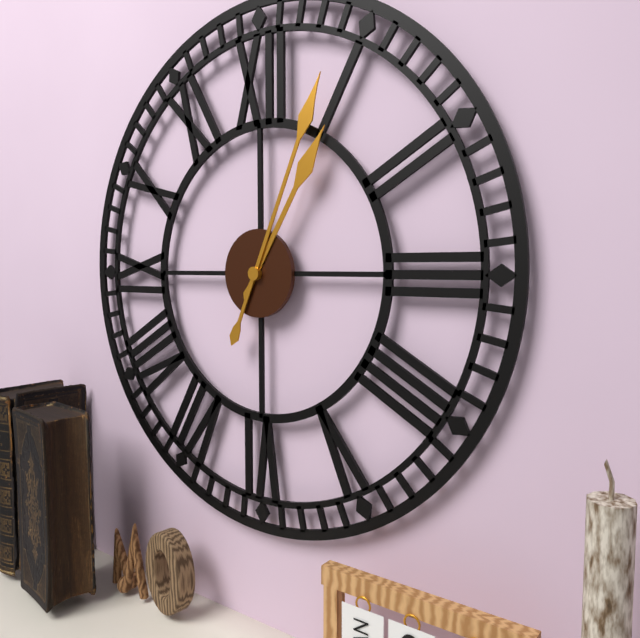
1:04
